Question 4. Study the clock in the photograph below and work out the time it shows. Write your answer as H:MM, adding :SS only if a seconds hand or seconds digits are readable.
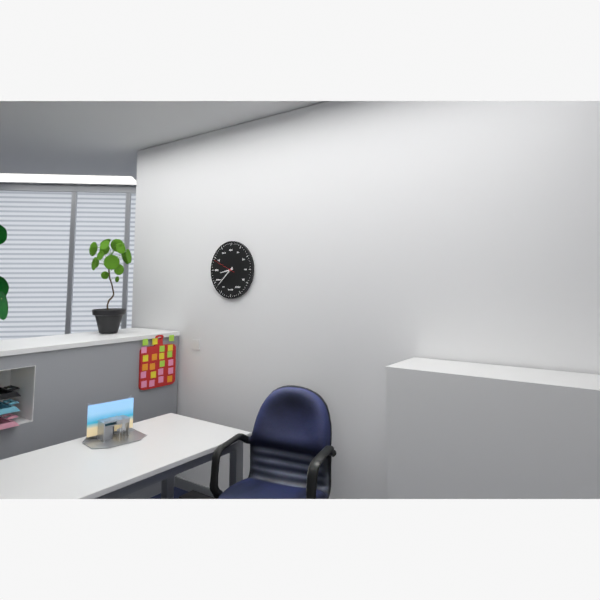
8:38
